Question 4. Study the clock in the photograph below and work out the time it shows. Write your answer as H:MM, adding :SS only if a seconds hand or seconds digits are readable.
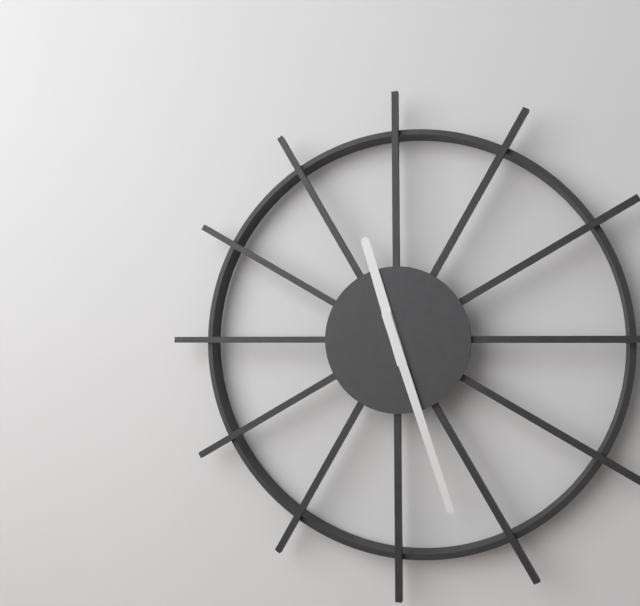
11:27
